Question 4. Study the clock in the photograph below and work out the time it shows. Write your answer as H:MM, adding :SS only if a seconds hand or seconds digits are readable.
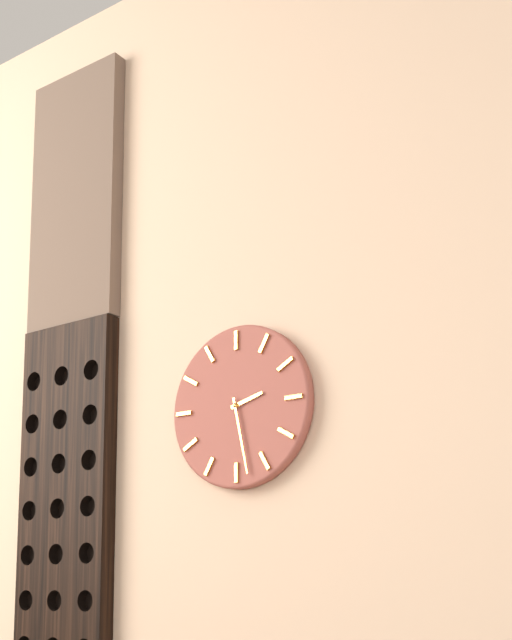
2:28
